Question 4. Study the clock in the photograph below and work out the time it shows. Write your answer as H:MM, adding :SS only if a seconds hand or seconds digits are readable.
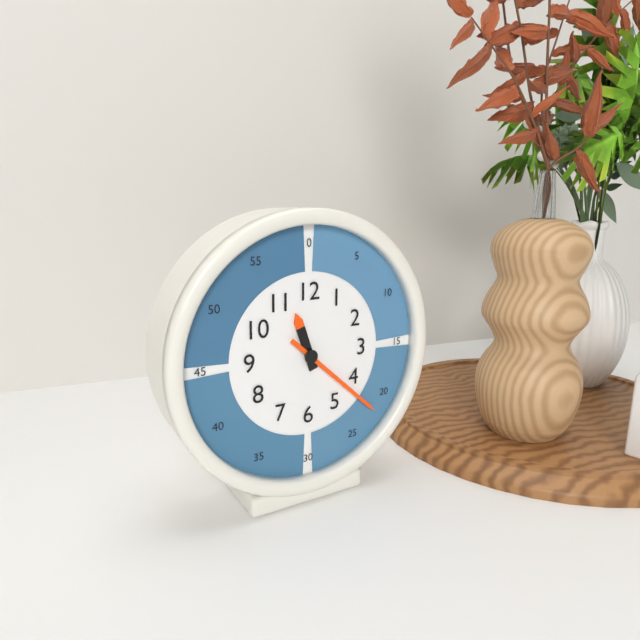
11:22
